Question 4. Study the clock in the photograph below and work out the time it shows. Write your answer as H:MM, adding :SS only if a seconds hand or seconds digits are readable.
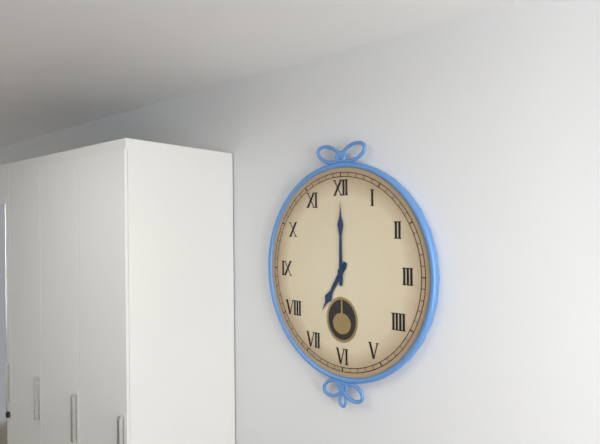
7:00
